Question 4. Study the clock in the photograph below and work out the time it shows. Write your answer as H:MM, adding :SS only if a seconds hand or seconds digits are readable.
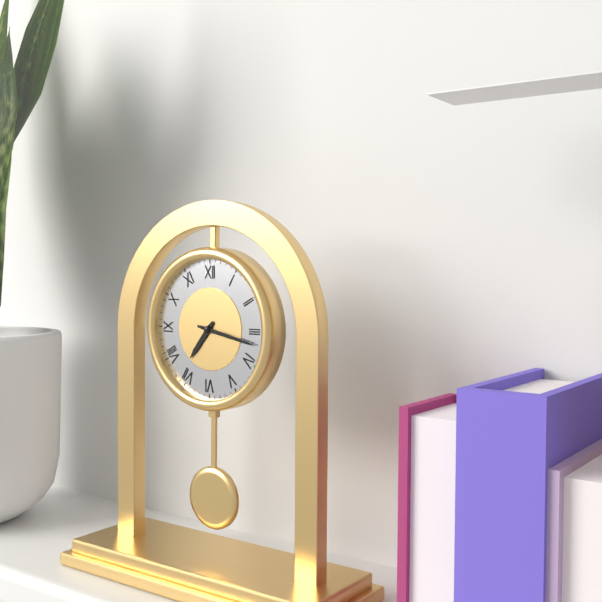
7:17
